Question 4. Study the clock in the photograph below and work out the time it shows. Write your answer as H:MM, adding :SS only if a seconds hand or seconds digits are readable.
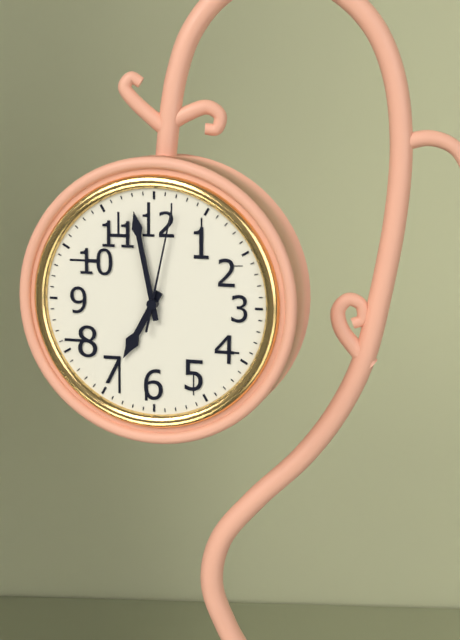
6:58:02
